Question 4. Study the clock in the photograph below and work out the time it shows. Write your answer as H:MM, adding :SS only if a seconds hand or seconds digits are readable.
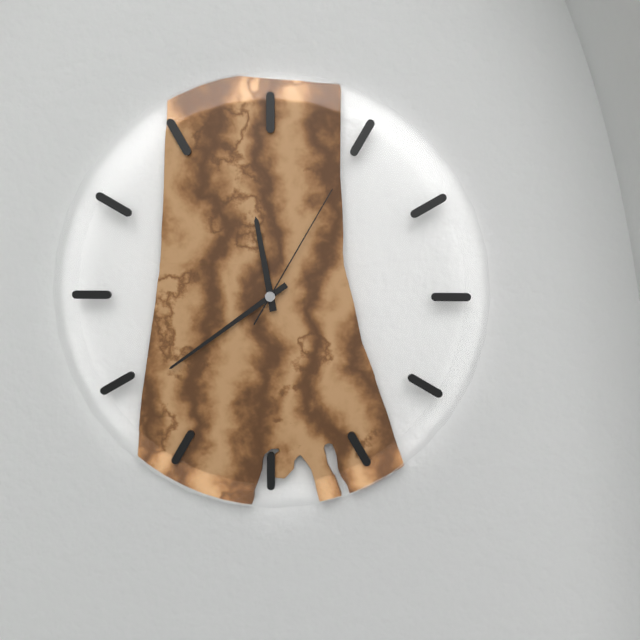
11:39:05
